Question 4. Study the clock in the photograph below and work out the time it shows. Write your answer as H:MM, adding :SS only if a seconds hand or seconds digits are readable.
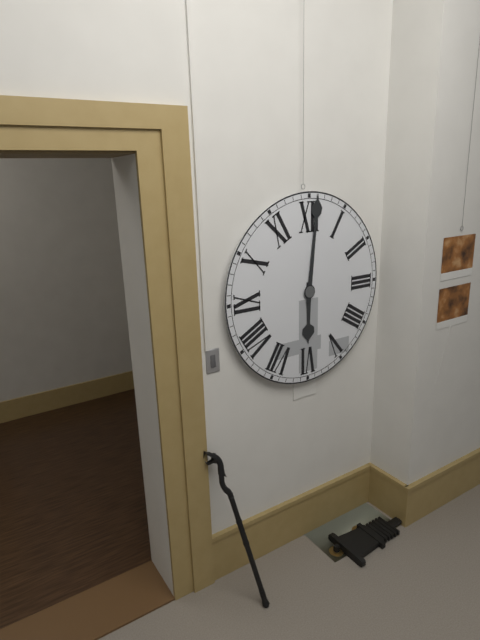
6:01
